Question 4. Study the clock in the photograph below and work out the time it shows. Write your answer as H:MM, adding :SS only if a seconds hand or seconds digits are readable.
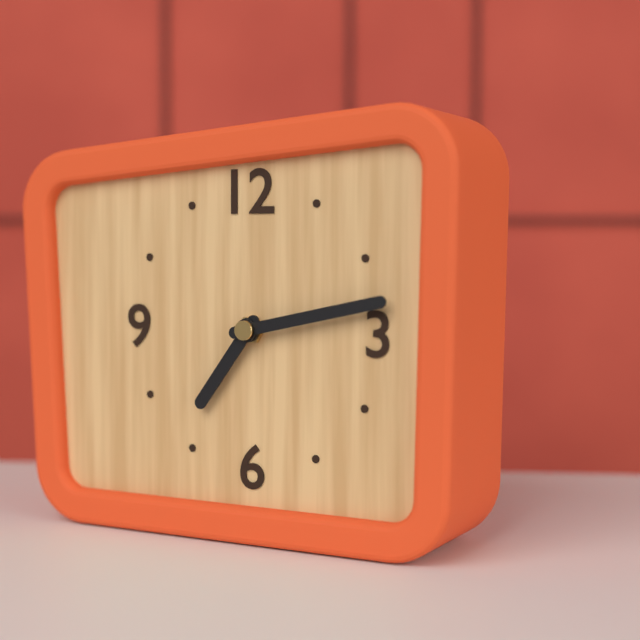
7:13
